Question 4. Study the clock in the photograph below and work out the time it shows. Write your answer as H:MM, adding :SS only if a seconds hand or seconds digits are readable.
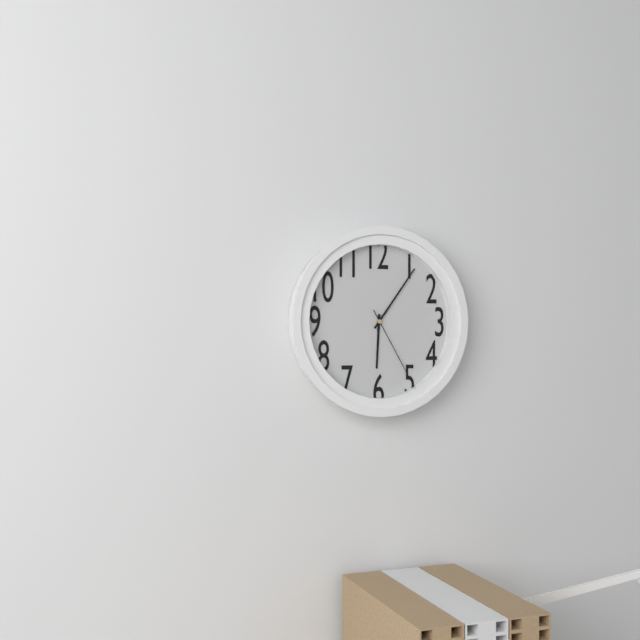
6:06:25
